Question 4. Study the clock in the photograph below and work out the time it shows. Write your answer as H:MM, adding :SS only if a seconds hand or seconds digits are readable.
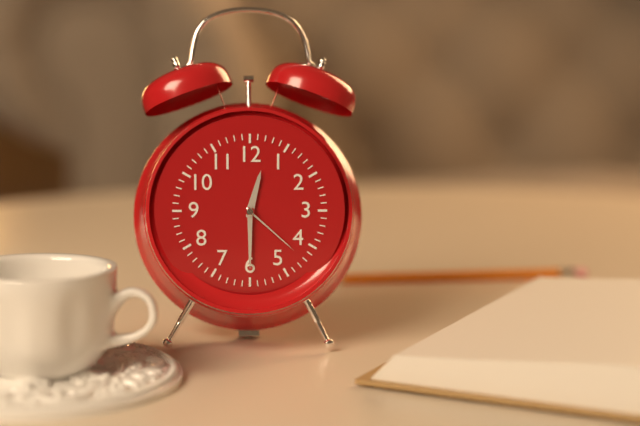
12:30:22
